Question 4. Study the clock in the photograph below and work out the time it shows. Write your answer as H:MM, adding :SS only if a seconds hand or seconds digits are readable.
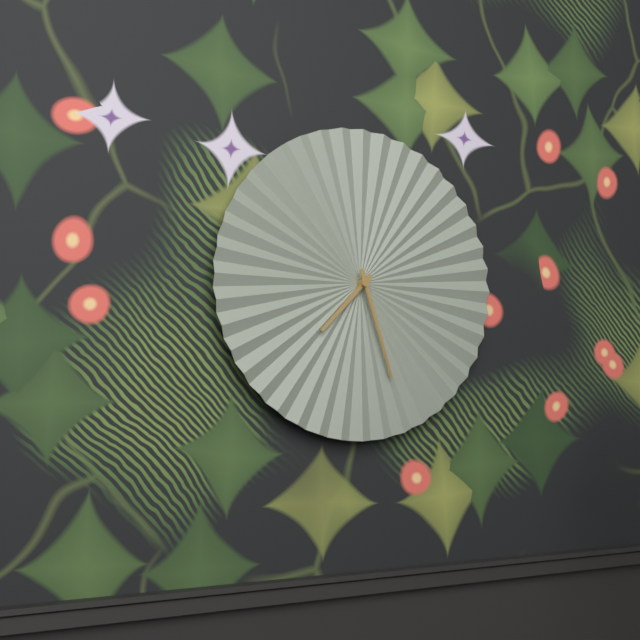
7:27
